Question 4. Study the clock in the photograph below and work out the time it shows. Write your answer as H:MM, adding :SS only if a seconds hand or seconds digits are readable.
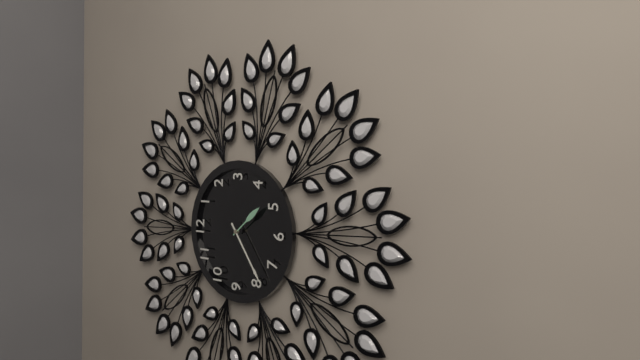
4:39
